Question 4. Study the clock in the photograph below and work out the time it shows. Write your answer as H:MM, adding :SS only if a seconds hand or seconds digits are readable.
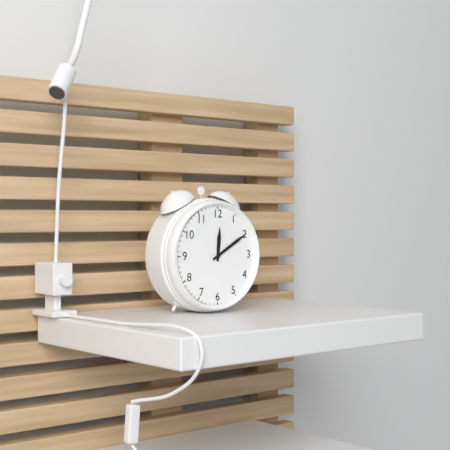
12:10
